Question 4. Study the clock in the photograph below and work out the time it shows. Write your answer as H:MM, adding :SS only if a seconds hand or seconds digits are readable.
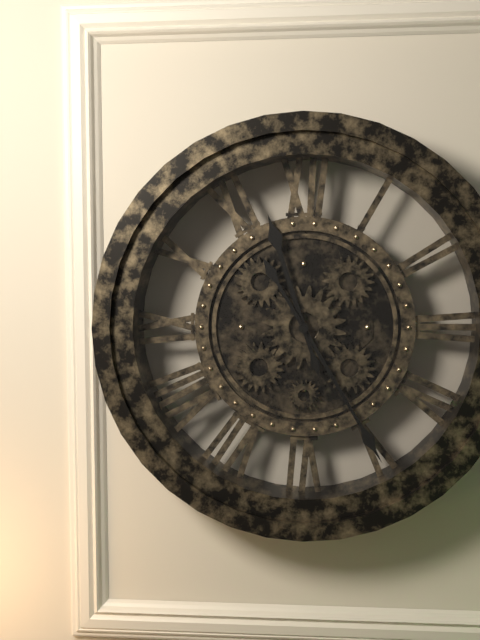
11:25
